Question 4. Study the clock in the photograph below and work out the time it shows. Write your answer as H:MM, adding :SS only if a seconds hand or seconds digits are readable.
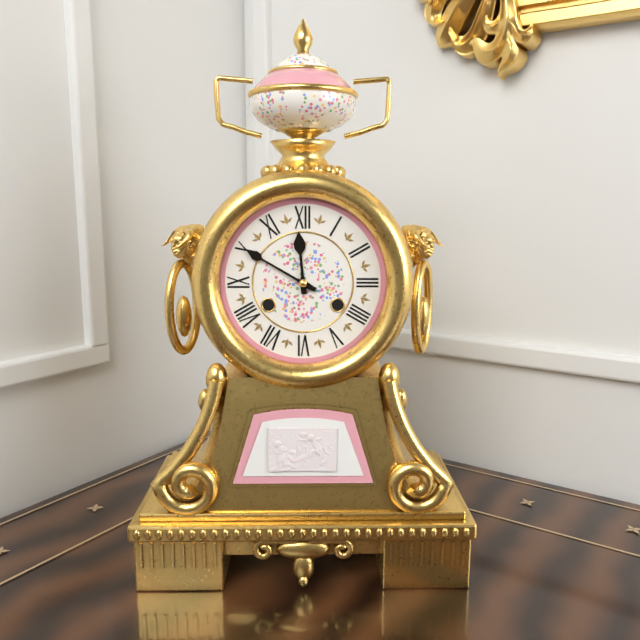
11:50
